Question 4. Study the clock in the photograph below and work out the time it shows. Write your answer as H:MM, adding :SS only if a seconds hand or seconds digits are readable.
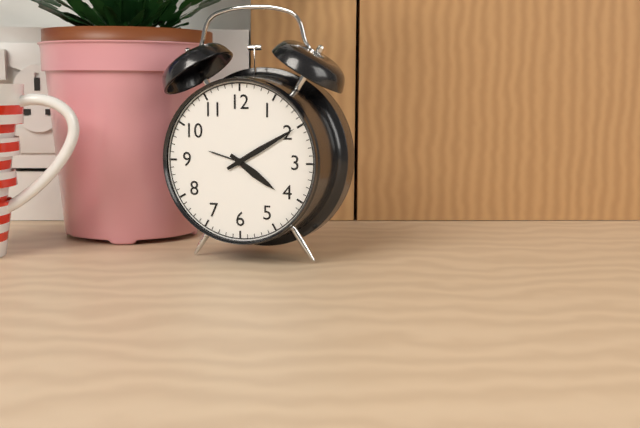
4:10
